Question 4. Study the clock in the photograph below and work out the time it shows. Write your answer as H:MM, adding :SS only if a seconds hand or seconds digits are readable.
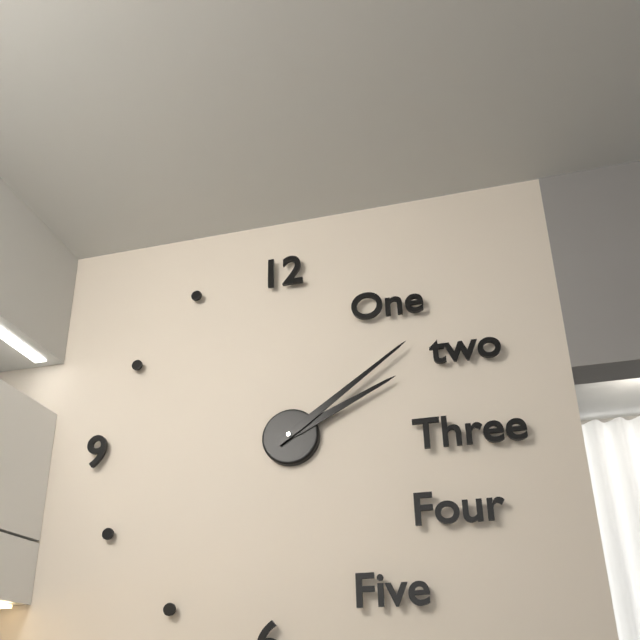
2:09
